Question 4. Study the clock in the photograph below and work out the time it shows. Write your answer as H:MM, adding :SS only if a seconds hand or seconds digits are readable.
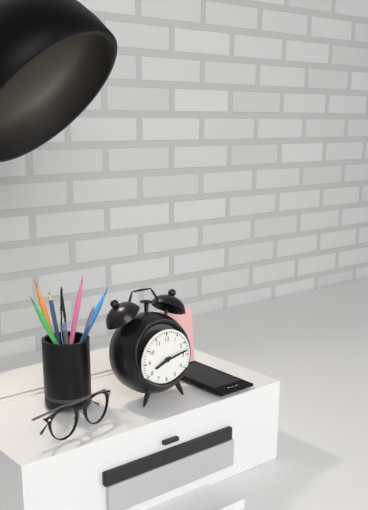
8:13
